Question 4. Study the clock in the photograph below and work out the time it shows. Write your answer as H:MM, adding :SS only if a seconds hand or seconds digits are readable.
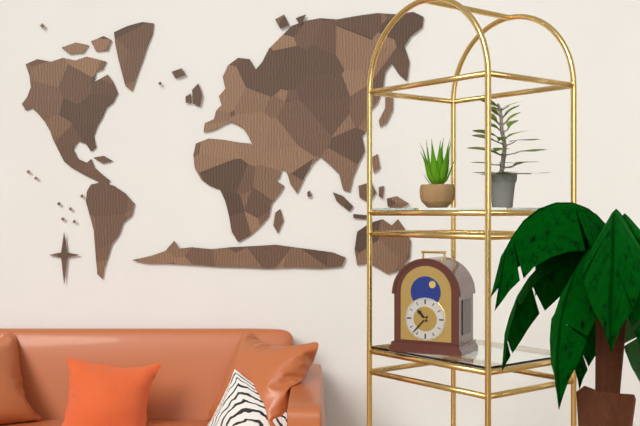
10:37
